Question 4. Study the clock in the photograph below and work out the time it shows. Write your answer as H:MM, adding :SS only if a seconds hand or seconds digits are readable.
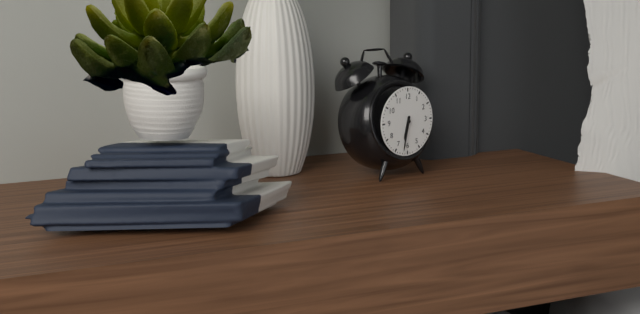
6:32
